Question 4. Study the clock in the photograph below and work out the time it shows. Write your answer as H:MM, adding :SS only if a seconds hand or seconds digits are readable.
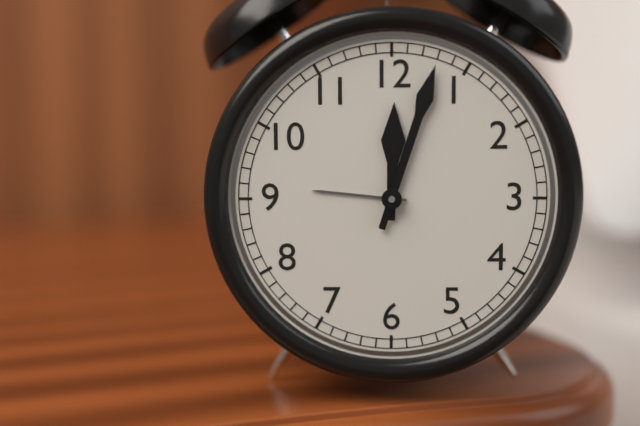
12:03
